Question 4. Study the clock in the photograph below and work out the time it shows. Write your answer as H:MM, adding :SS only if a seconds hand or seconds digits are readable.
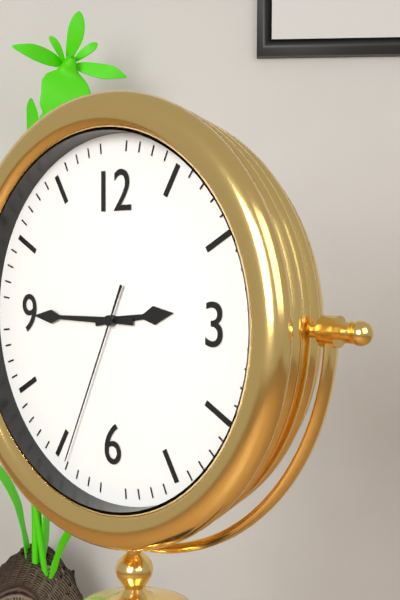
2:45:34
